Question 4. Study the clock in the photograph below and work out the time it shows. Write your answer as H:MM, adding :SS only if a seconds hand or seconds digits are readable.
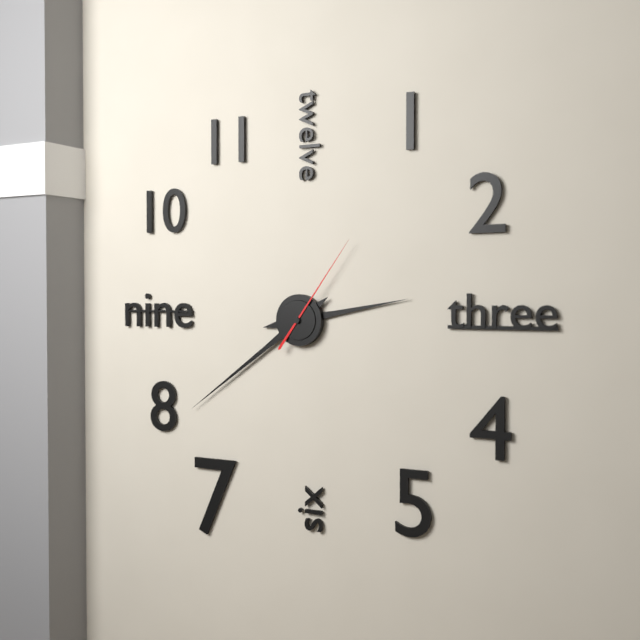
2:39:06
